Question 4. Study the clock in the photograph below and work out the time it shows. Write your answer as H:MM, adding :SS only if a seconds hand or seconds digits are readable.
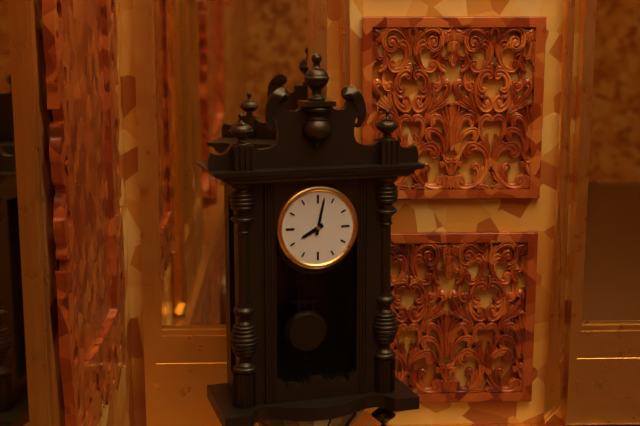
8:02
